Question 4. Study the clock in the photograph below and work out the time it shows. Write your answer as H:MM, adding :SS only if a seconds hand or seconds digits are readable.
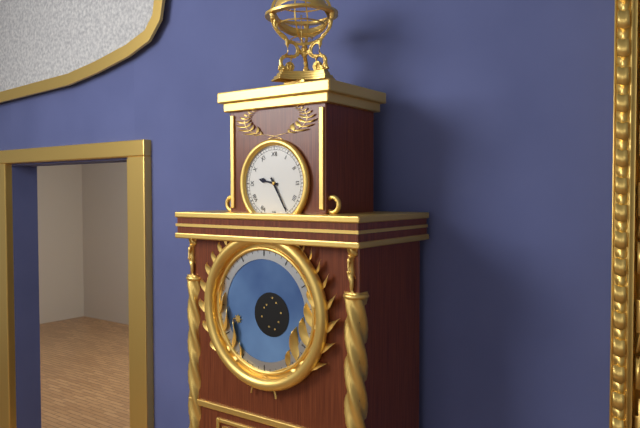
9:25
